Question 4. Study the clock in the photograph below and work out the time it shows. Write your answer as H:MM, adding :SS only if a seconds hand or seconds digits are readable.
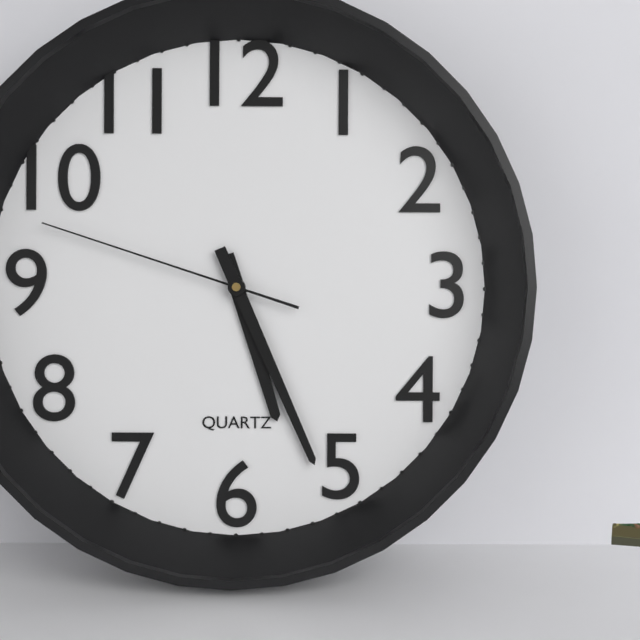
5:26:48
